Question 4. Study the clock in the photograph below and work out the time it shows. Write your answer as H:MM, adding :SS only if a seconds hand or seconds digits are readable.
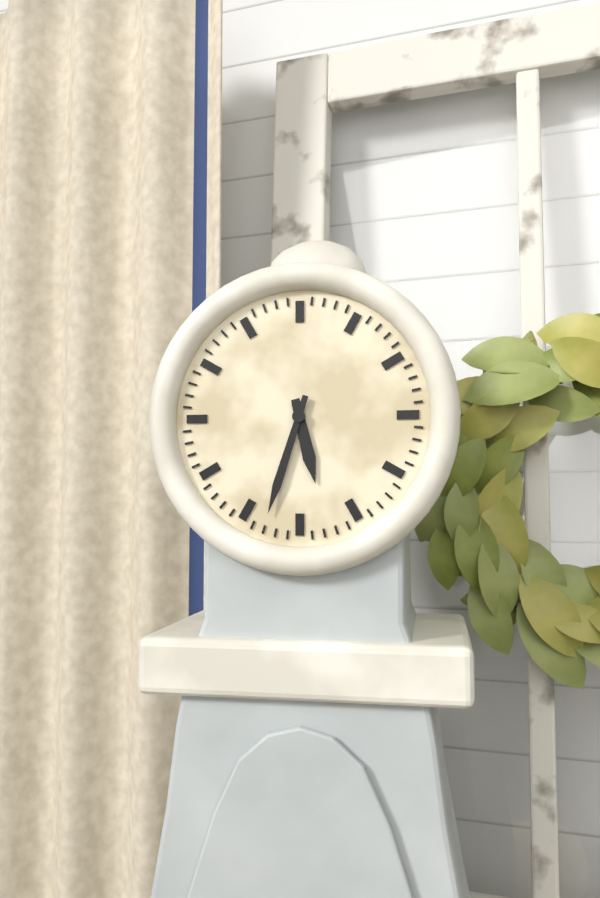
5:33
